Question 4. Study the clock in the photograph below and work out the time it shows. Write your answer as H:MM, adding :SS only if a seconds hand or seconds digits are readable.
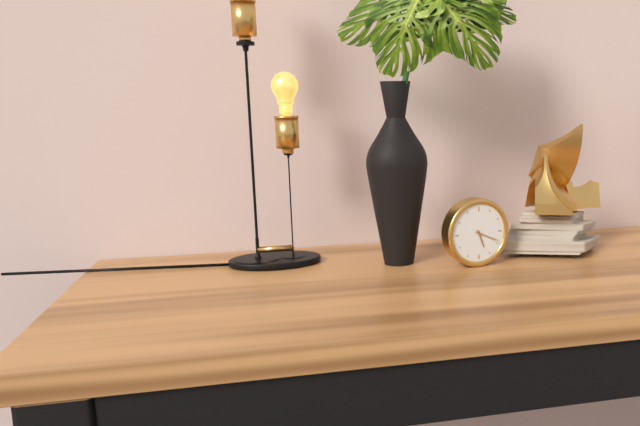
5:19
